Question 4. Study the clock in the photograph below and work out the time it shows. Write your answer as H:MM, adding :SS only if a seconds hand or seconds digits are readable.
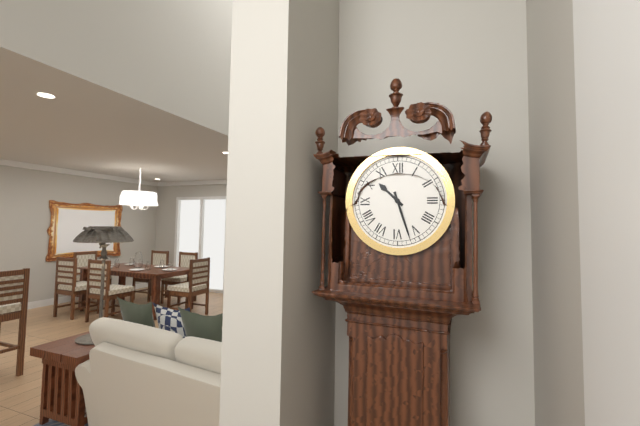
10:27
